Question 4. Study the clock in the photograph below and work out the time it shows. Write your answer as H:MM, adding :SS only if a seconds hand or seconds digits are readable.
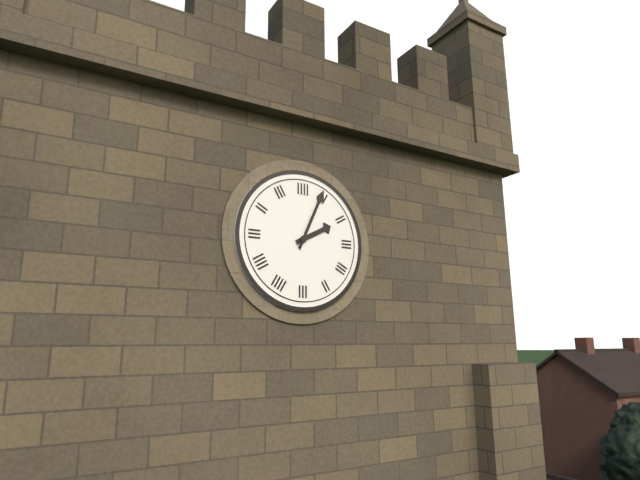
2:04
